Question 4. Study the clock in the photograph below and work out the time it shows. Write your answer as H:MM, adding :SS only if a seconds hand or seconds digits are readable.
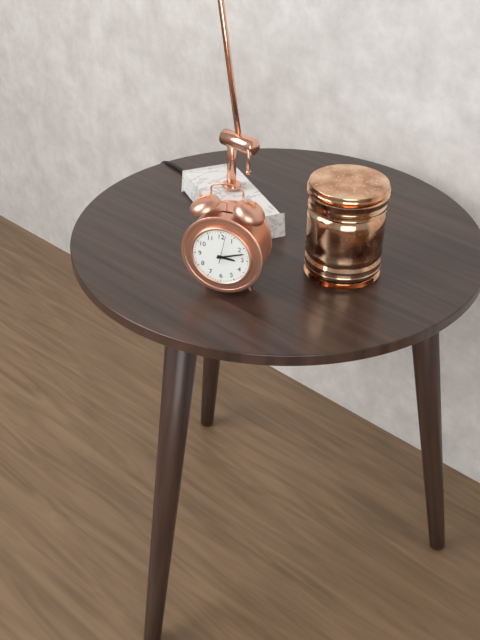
3:12
